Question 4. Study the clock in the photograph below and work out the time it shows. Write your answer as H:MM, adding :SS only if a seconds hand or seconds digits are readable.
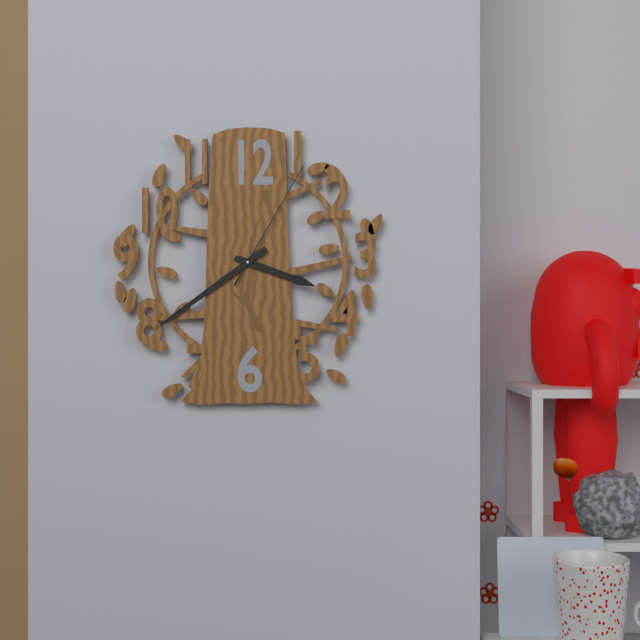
3:39:05
